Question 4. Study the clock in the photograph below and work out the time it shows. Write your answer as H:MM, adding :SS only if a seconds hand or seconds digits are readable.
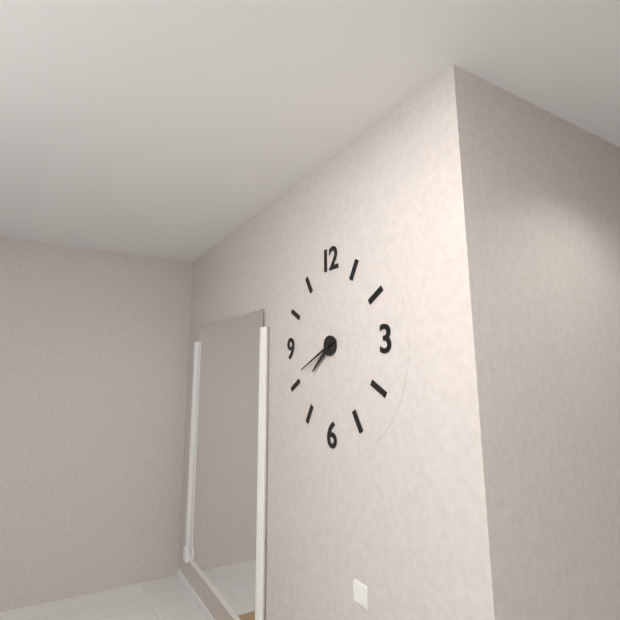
7:41
